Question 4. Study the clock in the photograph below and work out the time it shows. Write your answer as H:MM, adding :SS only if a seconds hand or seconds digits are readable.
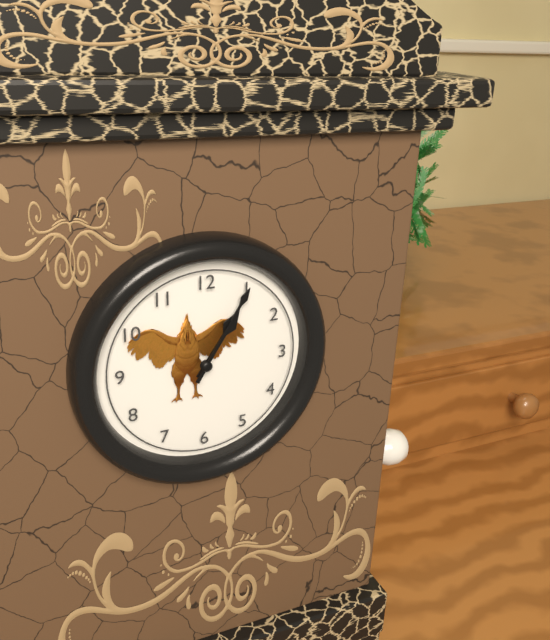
1:05
